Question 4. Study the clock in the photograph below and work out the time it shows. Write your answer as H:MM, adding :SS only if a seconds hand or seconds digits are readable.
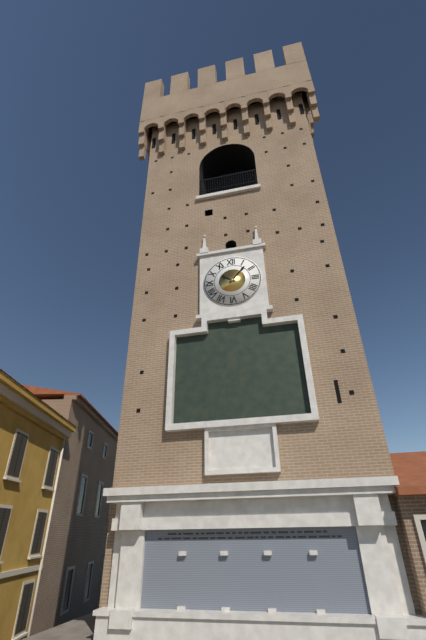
10:07
